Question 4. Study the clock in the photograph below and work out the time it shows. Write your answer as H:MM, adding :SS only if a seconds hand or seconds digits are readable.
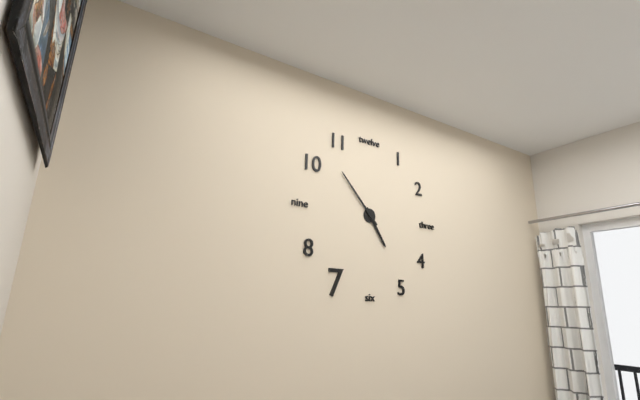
4:53
